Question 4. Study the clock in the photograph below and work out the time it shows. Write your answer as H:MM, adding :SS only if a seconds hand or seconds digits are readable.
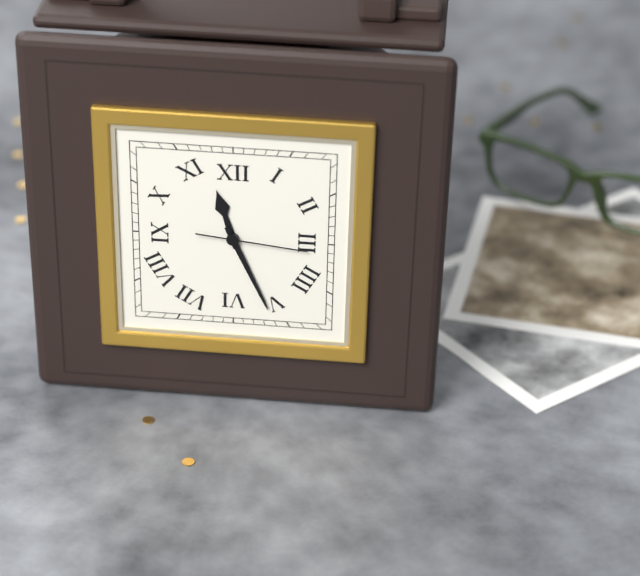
11:26:16
